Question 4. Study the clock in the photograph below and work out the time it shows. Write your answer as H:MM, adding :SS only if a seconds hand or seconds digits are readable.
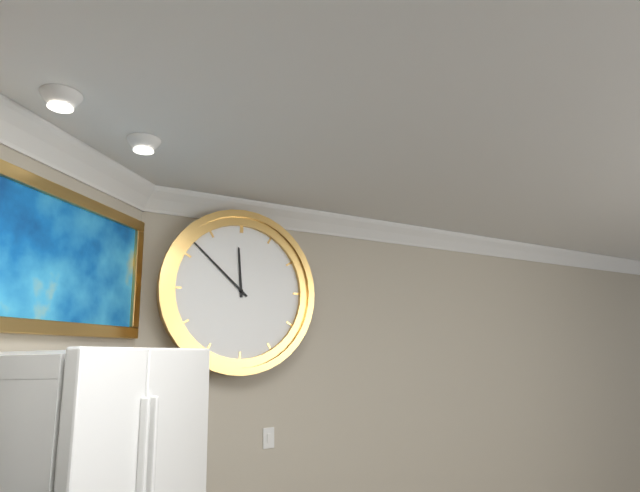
11:52
